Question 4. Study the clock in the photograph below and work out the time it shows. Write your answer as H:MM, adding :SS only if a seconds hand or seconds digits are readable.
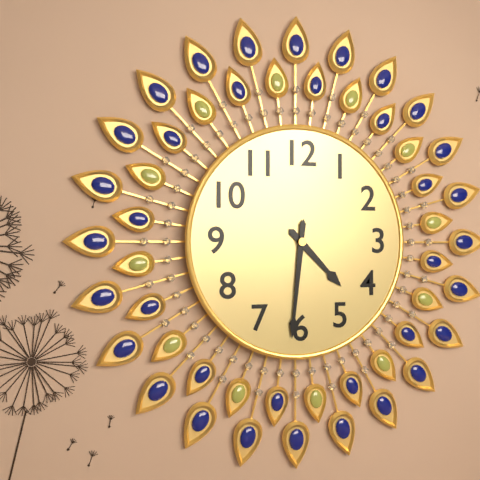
4:31
